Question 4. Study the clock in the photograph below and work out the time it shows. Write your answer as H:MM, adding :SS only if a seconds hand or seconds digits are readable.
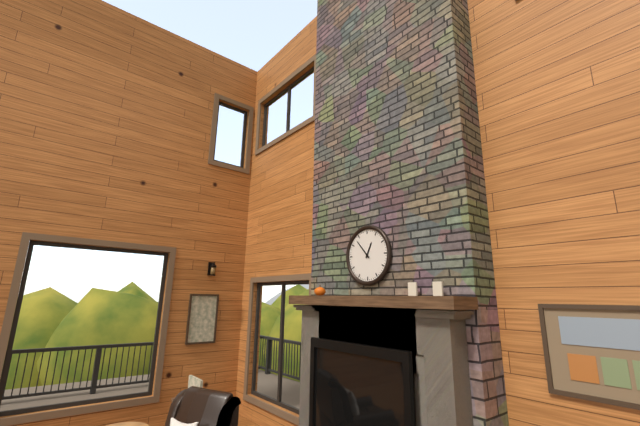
12:53
